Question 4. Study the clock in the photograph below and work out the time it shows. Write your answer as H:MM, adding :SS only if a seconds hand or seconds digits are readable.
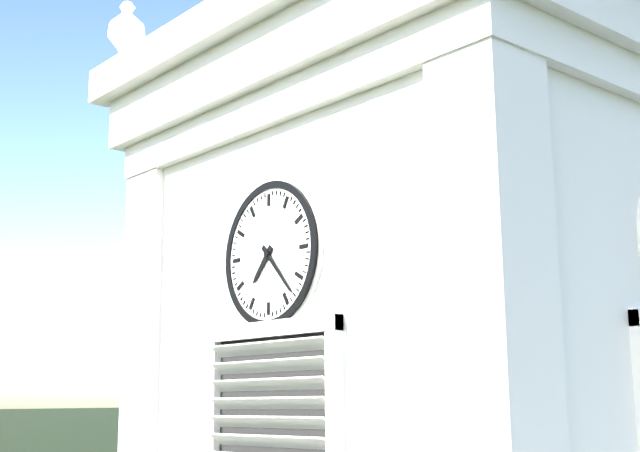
7:23
